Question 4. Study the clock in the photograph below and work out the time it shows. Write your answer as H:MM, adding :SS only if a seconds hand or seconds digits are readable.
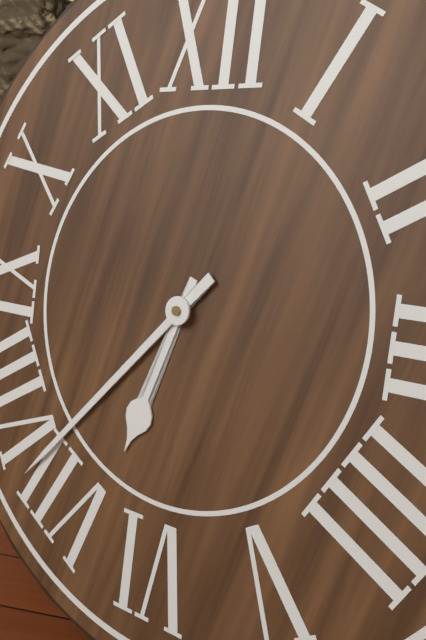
6:37
